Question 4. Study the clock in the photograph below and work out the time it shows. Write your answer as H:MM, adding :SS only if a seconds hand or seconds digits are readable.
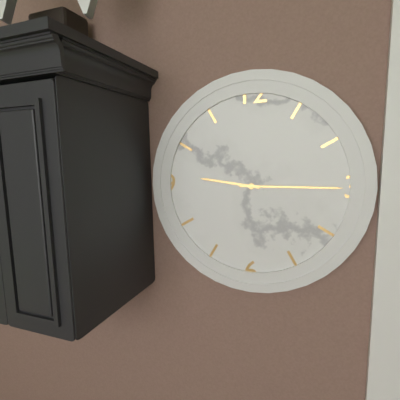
9:15
